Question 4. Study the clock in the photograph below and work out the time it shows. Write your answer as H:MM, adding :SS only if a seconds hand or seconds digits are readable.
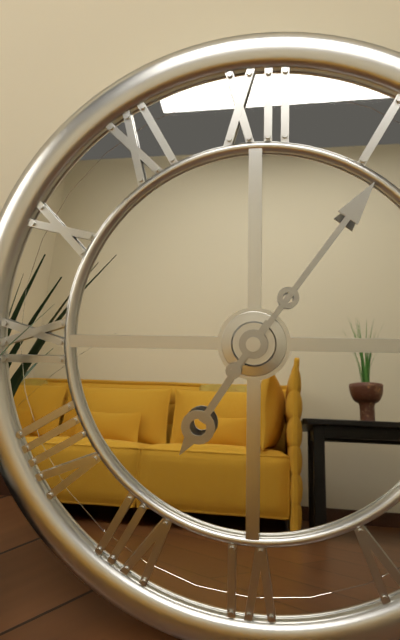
7:06
